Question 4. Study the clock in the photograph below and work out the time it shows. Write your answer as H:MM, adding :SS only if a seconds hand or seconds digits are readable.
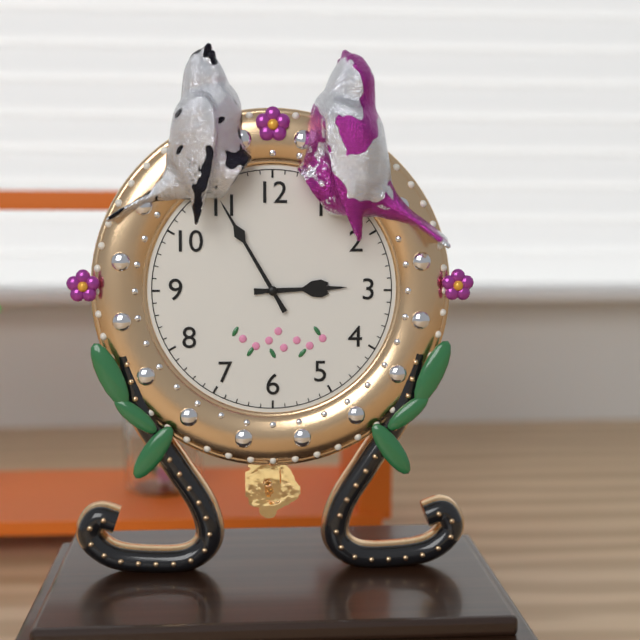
2:55
